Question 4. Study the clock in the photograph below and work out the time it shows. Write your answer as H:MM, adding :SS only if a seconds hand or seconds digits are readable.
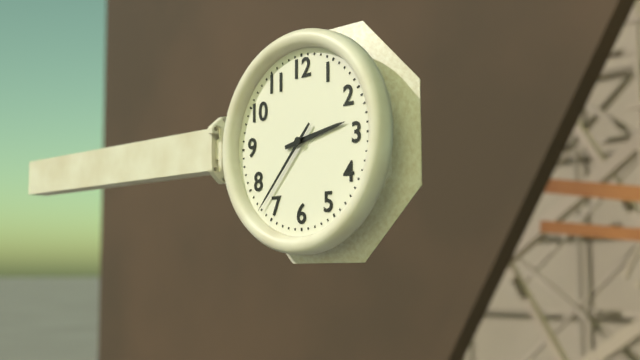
2:37
